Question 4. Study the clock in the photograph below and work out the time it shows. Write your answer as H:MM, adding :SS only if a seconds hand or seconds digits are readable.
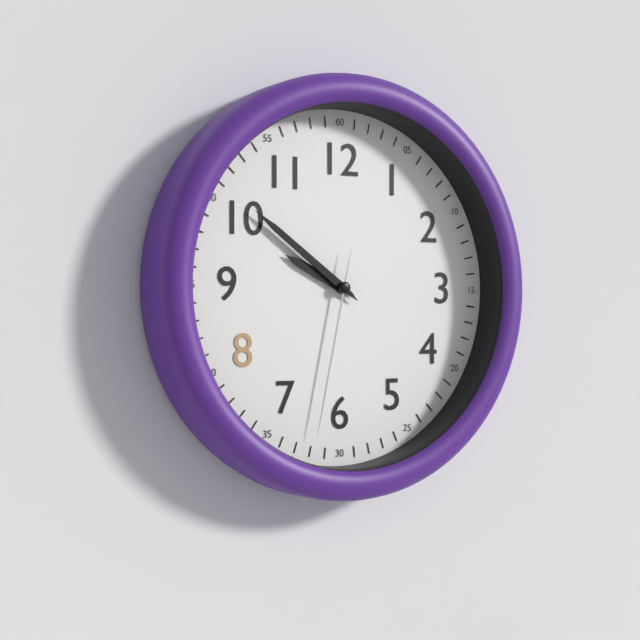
9:51:32
